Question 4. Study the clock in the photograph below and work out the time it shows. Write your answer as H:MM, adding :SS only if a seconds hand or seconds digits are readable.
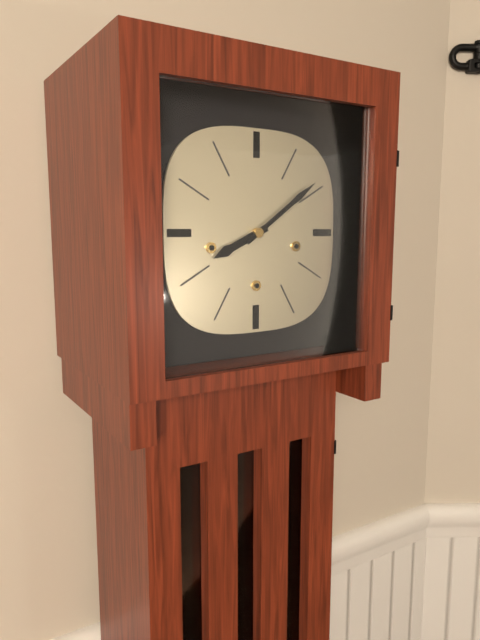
8:09
